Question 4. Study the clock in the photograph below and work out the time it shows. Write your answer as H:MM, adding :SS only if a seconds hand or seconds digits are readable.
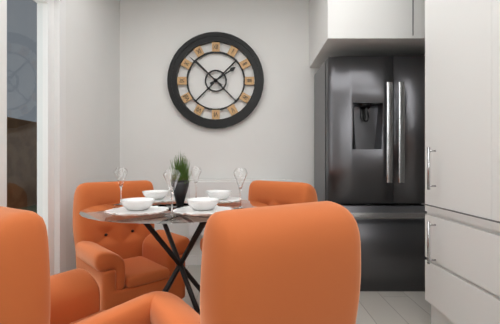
1:52
